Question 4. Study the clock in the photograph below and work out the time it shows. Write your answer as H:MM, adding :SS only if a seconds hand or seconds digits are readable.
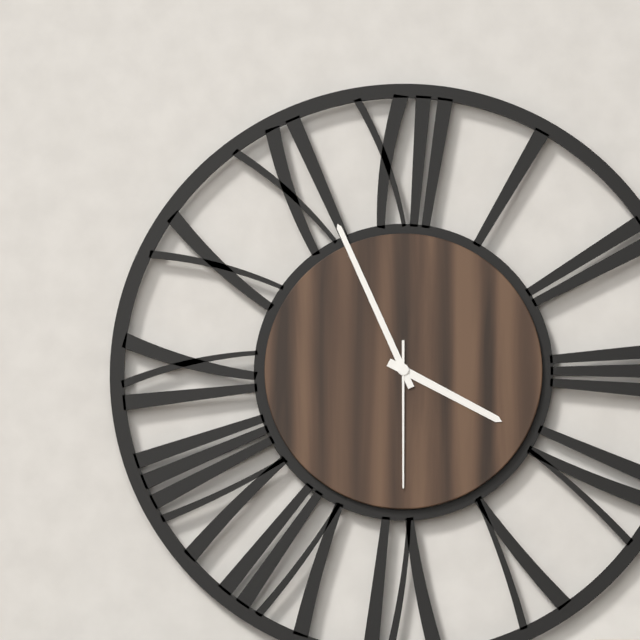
3:56:30
